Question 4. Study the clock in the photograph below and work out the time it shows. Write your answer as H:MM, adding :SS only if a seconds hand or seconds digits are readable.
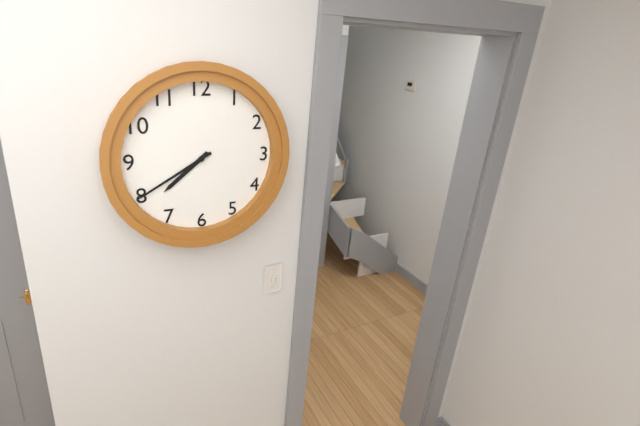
7:40
